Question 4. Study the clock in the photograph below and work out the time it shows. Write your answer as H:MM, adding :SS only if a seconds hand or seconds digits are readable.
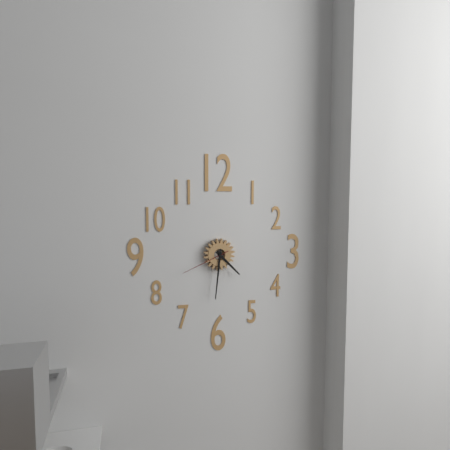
4:31:41
